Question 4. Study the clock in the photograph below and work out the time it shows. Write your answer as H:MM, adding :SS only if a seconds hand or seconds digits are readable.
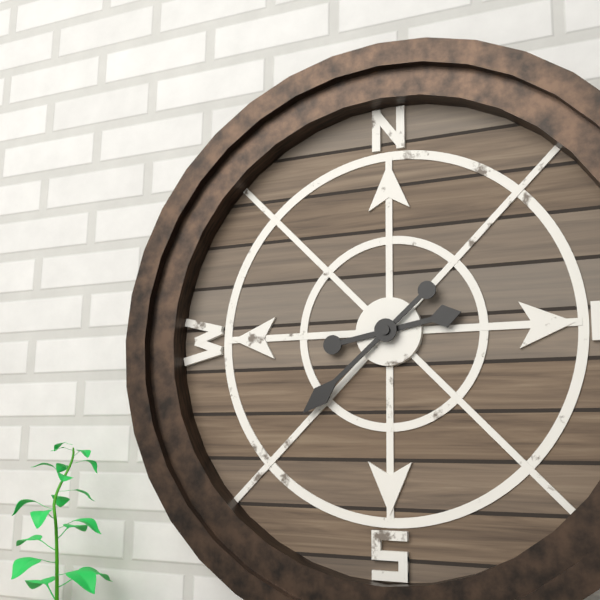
2:38
